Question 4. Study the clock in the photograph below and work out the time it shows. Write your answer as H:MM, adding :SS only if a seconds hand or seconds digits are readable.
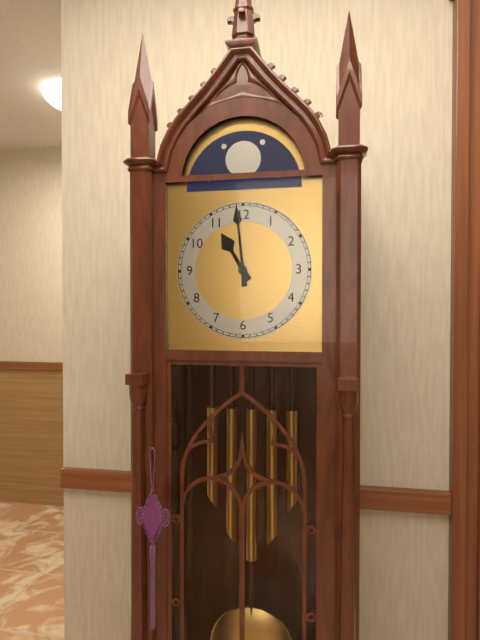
10:59
